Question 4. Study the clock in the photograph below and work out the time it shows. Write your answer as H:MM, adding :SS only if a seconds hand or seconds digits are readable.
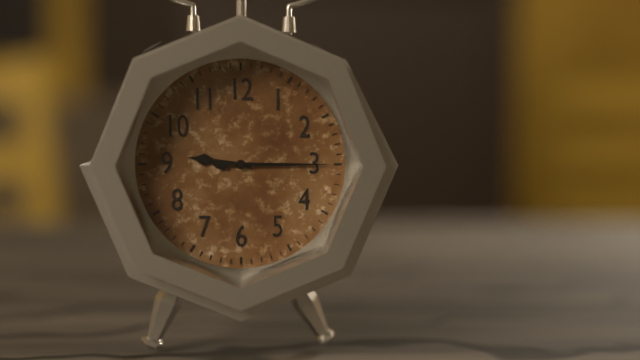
9:15
